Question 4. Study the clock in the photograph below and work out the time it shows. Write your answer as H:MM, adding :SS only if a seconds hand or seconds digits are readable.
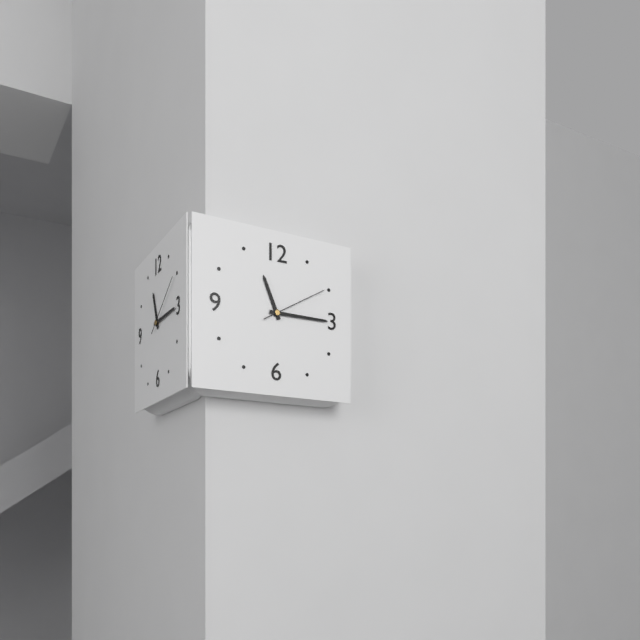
11:15:10
